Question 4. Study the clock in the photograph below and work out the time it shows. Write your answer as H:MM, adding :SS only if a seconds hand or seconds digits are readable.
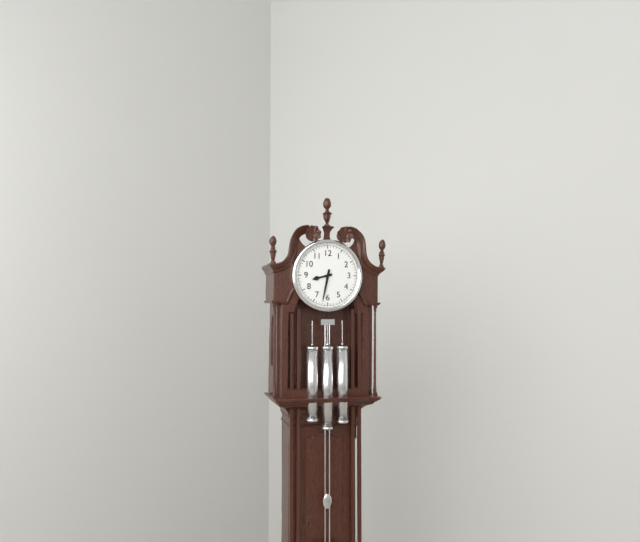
8:32
